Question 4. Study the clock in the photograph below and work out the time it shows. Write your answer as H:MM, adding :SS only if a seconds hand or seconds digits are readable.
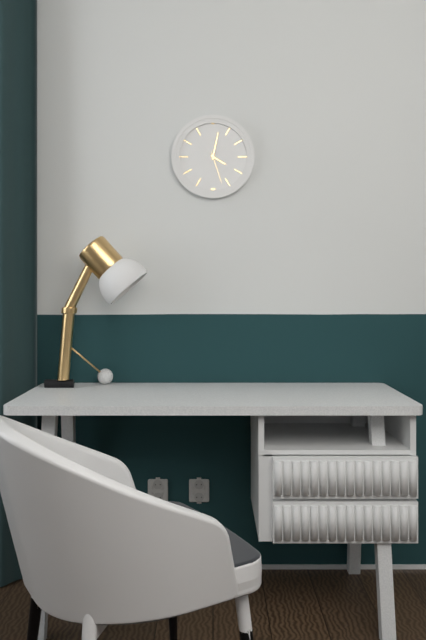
4:02
